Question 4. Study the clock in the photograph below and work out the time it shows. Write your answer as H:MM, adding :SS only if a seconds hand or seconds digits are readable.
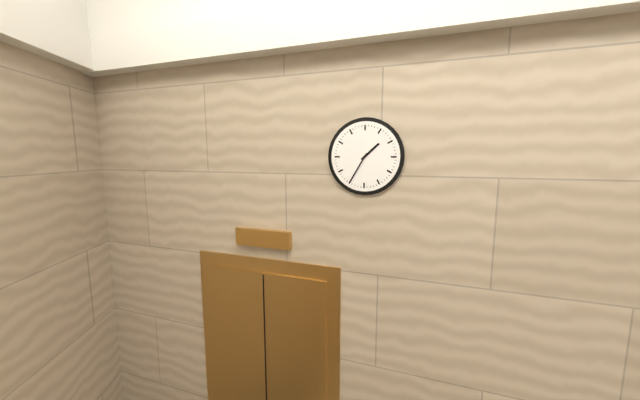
1:35
